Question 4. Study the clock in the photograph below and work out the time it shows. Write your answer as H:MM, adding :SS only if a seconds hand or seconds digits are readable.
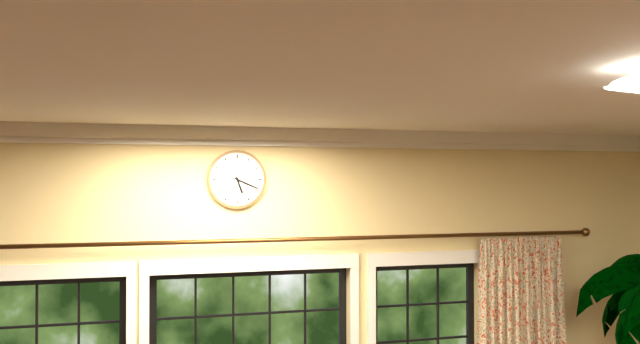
5:19
